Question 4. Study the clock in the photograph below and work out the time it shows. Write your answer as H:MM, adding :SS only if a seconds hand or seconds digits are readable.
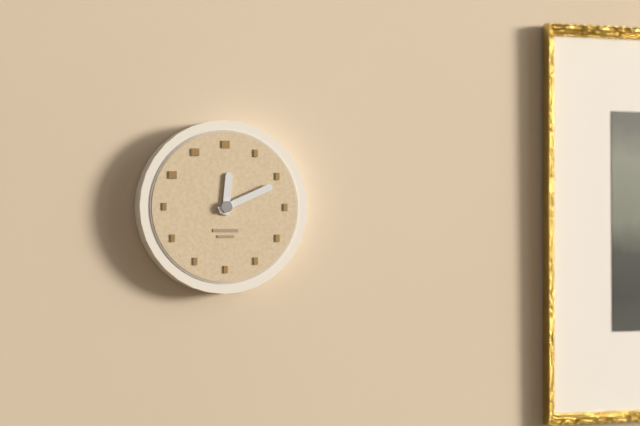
12:11
